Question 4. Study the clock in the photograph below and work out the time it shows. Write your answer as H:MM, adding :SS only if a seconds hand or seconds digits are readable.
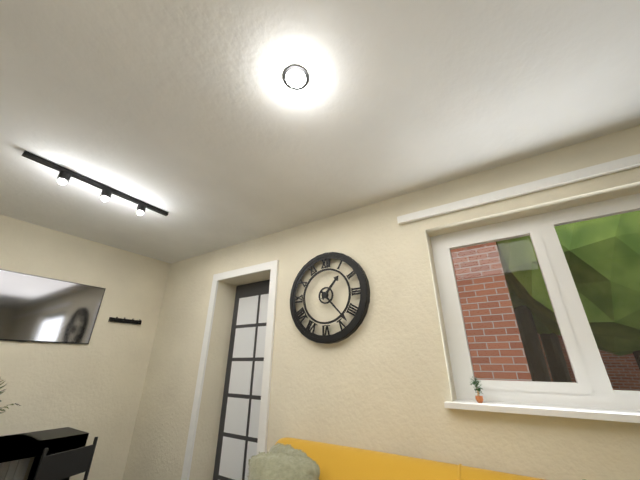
1:23
